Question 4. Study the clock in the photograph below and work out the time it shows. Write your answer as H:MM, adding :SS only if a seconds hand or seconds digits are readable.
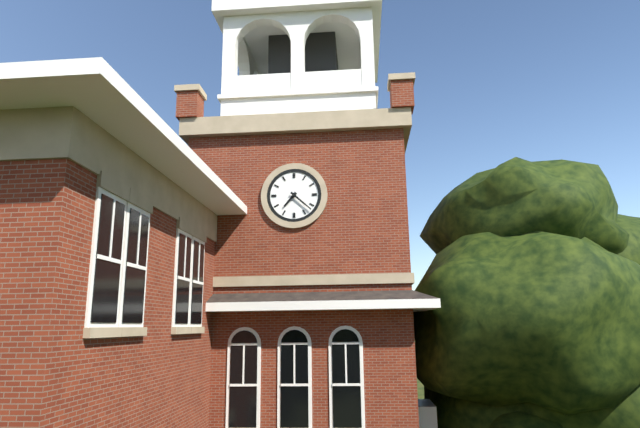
7:22
